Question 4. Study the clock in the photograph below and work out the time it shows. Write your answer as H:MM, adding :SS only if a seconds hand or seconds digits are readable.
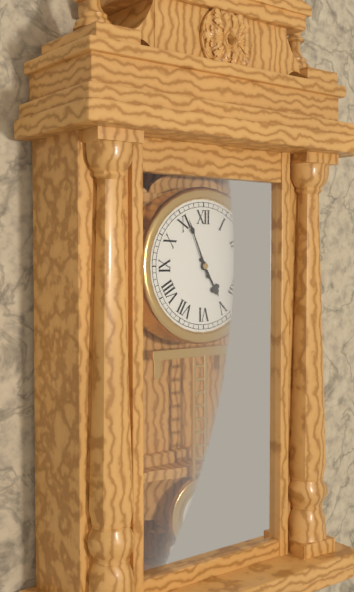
4:56
